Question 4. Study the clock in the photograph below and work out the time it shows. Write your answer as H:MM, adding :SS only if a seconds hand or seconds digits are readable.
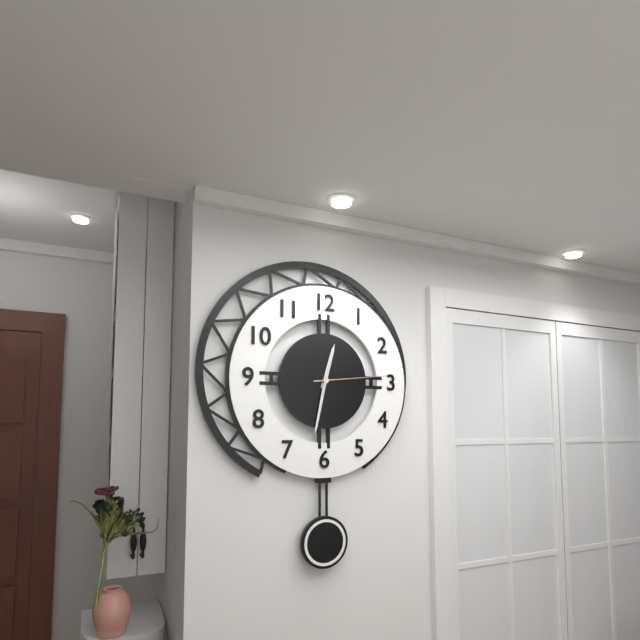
12:32:14
